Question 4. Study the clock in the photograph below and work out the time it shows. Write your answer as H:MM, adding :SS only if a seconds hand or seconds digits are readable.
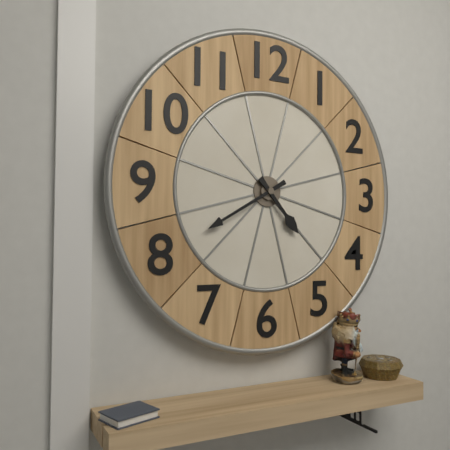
4:40
